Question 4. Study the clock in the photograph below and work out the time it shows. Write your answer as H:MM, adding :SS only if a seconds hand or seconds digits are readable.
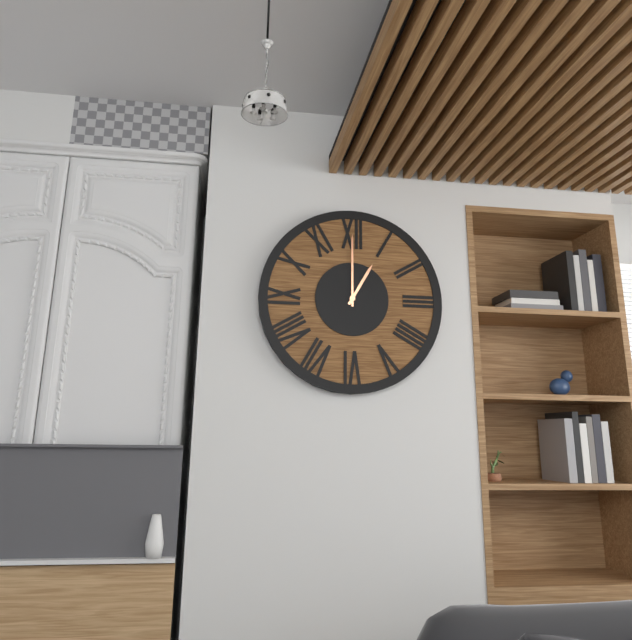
1:00
